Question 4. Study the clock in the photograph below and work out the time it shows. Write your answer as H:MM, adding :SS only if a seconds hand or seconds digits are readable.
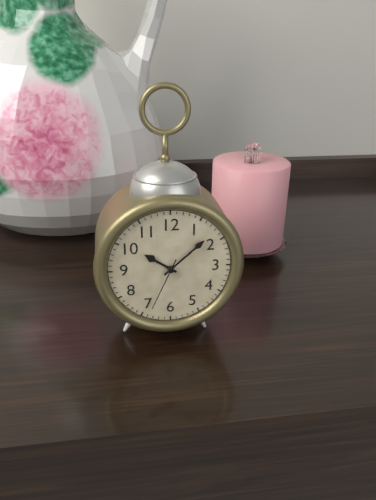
10:08:34
